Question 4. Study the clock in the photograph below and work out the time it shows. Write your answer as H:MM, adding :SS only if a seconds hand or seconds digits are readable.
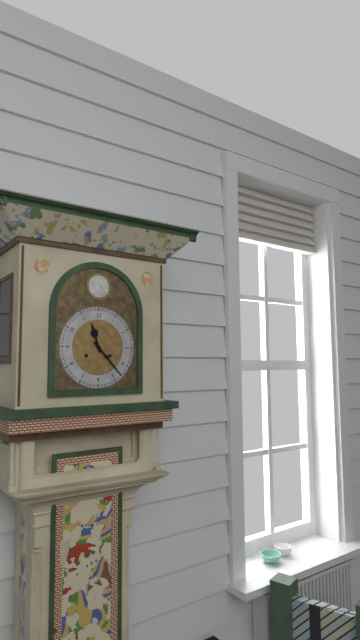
11:23
